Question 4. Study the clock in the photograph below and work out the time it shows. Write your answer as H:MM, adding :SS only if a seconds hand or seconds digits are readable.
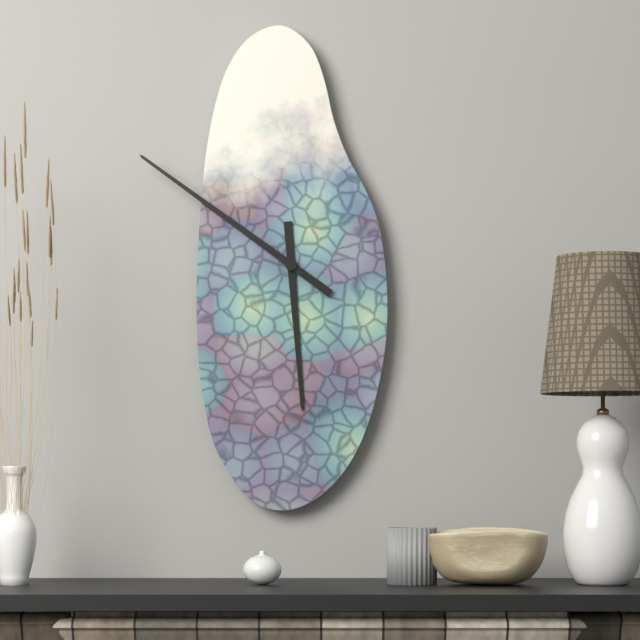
5:51
